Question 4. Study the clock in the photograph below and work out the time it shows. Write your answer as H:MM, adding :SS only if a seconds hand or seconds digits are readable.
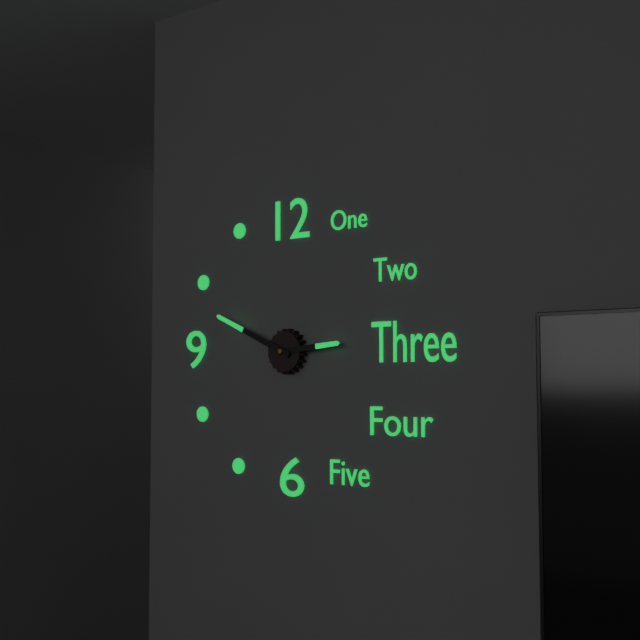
2:49
